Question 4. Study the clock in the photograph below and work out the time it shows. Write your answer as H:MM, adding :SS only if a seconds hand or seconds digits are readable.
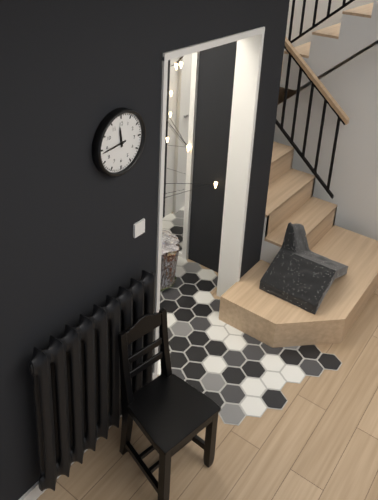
11:44
